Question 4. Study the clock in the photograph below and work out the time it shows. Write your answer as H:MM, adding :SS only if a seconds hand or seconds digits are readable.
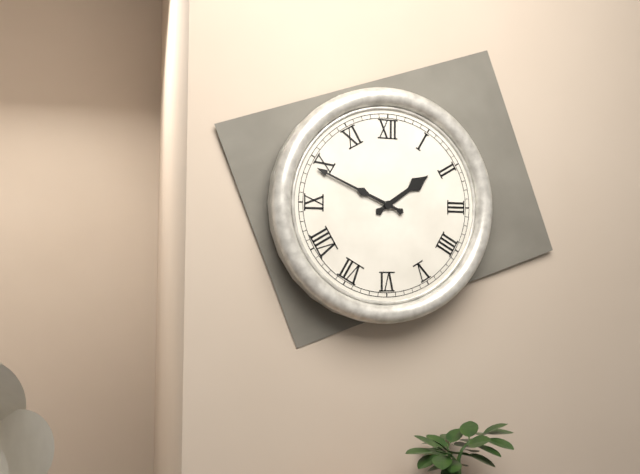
1:49
